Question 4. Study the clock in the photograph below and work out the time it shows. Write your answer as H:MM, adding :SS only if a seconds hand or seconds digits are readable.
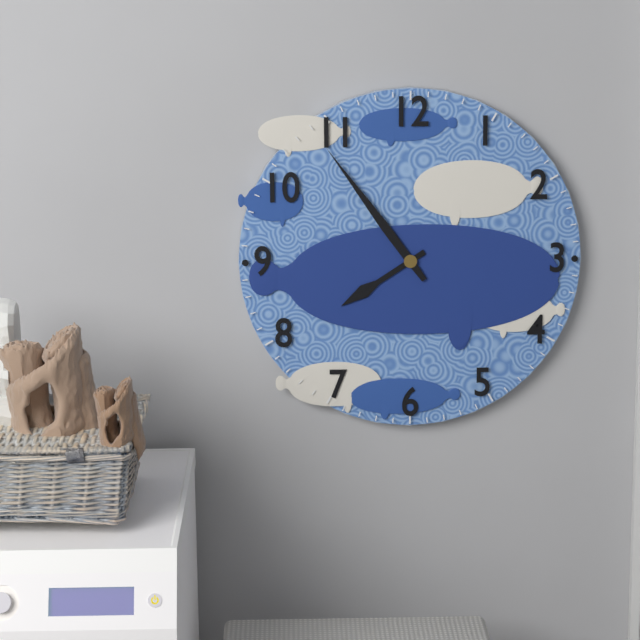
7:54
